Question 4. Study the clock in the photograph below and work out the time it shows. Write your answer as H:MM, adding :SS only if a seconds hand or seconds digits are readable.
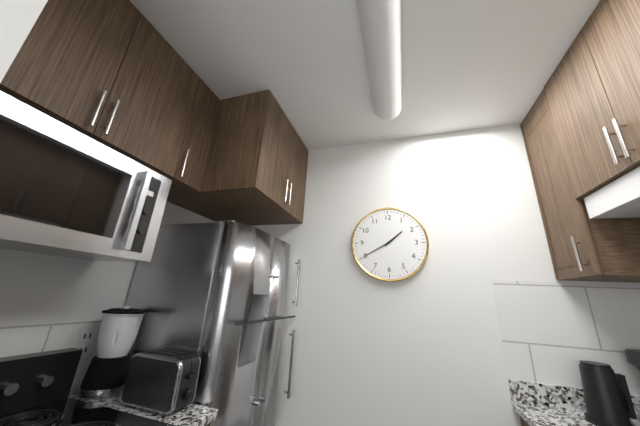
1:40
